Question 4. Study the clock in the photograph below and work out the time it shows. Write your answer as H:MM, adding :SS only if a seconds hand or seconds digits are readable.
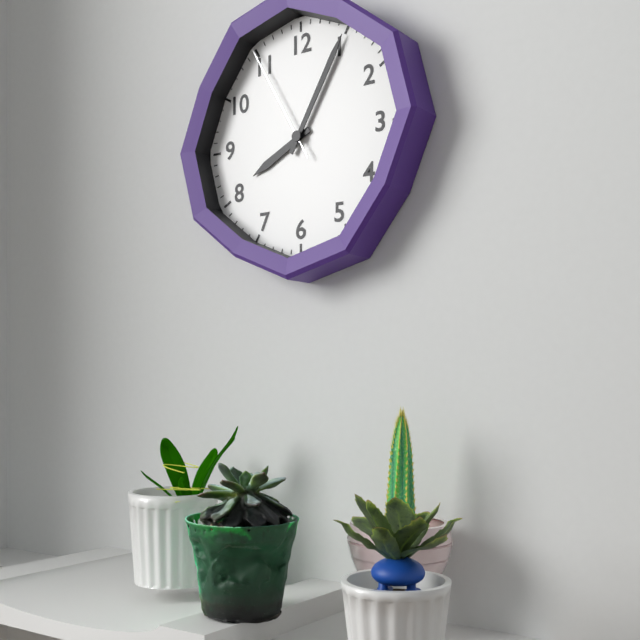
8:05:55
